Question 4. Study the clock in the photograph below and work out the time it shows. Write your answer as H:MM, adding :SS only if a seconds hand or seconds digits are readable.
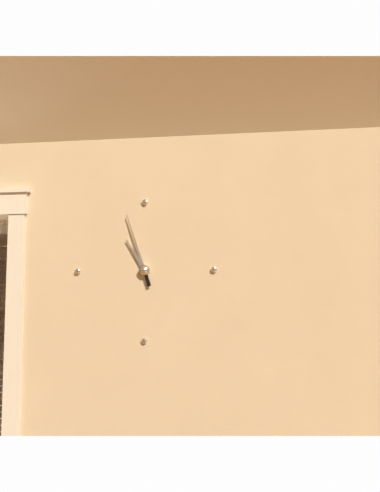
10:57
